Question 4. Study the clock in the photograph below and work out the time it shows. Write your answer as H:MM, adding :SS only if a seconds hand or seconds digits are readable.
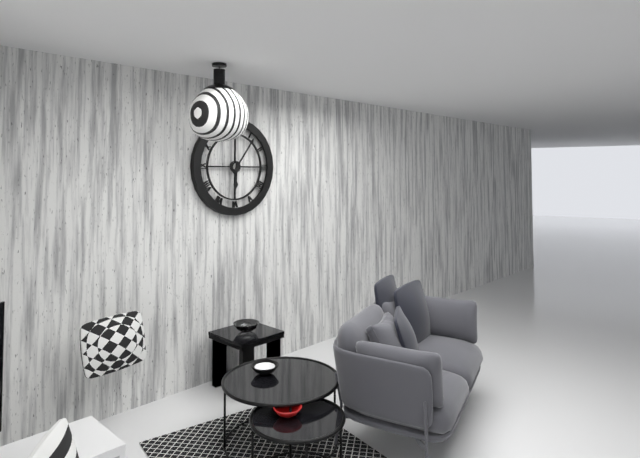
6:06
